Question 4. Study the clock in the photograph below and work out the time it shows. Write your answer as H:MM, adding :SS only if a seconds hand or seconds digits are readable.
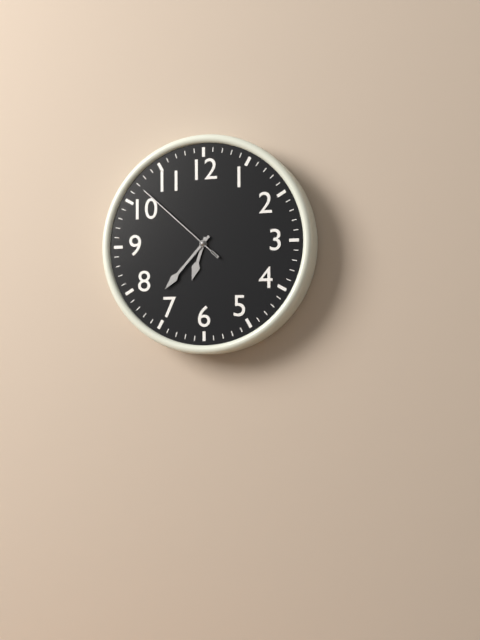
6:37:52
